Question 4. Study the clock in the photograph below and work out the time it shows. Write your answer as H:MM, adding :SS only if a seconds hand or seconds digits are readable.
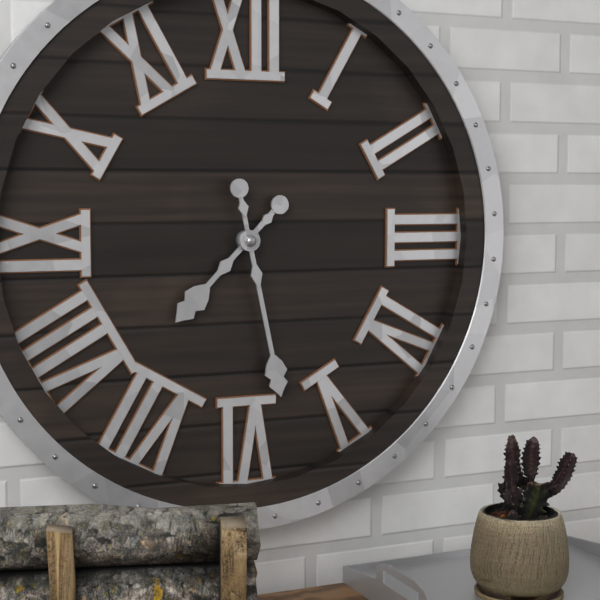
7:28
